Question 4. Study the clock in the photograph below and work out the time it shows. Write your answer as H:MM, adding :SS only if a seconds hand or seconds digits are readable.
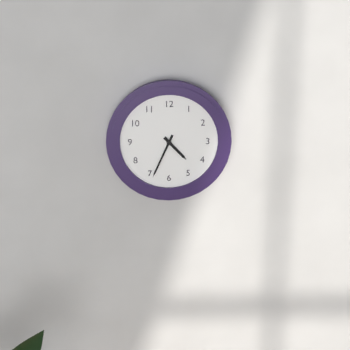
4:34
